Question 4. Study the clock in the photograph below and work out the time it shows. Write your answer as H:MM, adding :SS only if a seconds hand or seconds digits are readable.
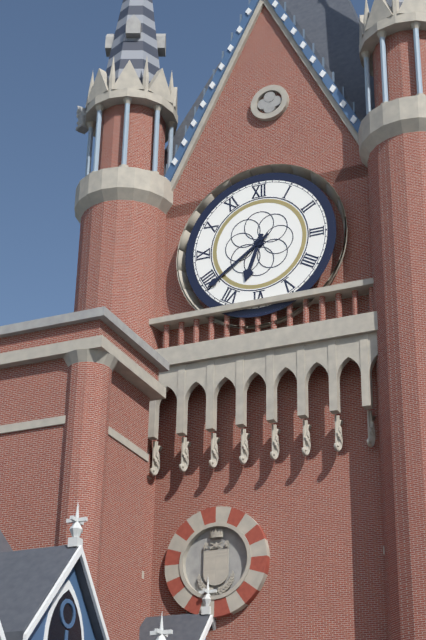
6:39
